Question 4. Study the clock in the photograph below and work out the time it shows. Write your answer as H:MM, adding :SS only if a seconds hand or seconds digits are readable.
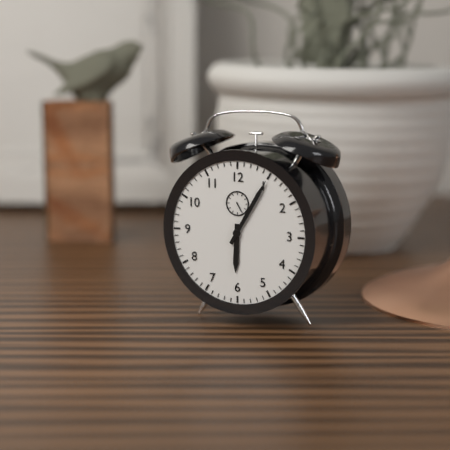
6:05
